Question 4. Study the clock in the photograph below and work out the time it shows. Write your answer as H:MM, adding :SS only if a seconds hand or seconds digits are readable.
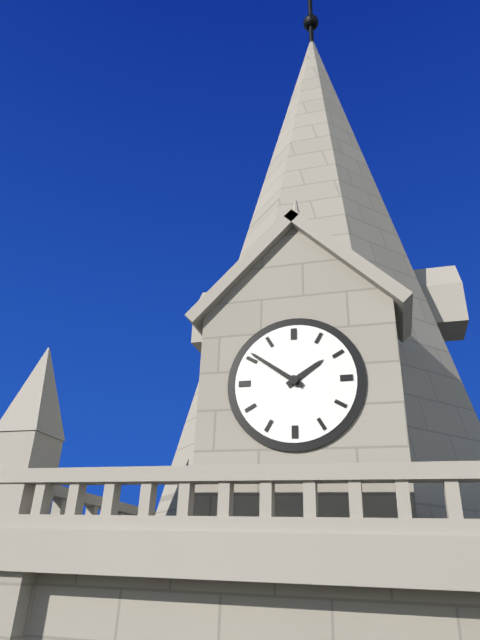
1:51
